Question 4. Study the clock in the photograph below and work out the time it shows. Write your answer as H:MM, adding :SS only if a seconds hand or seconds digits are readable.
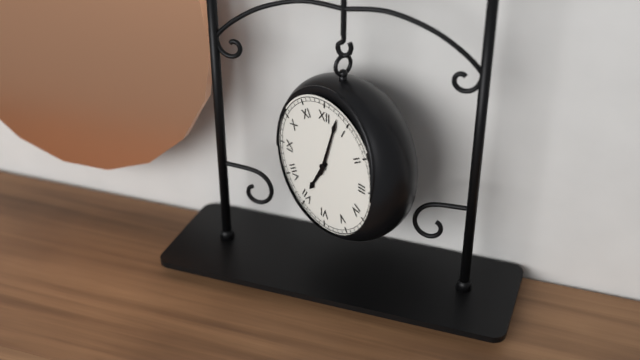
7:03
